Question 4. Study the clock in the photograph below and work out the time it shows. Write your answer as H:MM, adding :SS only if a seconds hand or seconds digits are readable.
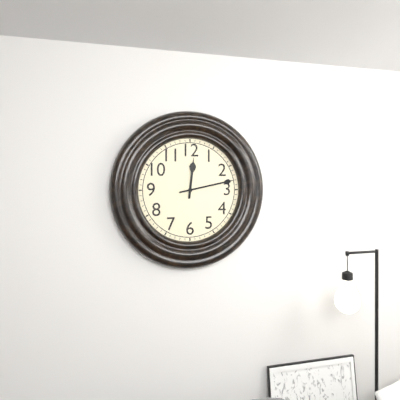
12:13
